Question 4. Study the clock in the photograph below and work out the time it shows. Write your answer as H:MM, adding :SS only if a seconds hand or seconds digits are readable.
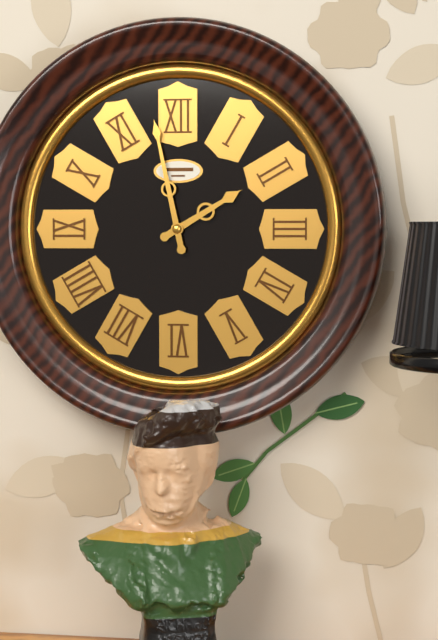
1:58
